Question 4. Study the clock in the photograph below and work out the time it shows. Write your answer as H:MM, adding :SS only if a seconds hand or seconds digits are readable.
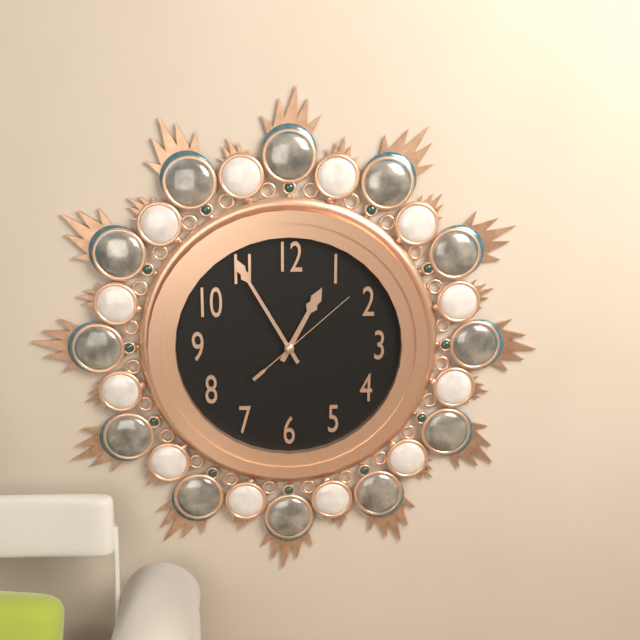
12:55:08
